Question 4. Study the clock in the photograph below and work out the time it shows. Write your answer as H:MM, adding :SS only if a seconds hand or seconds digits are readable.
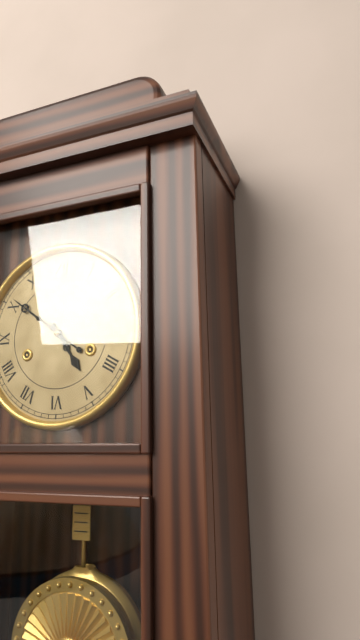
4:51
